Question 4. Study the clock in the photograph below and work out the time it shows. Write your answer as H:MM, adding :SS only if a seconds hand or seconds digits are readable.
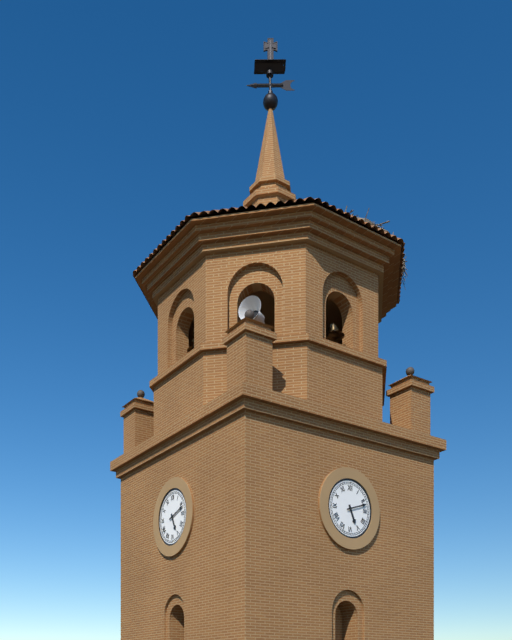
5:12
